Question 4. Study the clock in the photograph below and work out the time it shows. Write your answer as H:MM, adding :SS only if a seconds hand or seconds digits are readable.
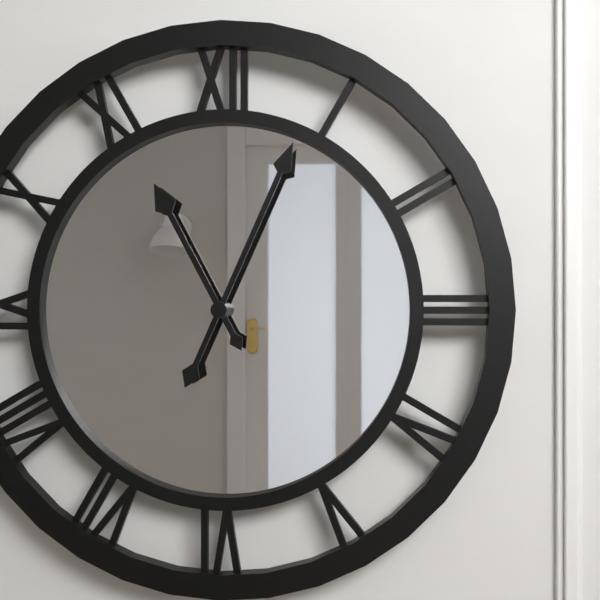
11:04
